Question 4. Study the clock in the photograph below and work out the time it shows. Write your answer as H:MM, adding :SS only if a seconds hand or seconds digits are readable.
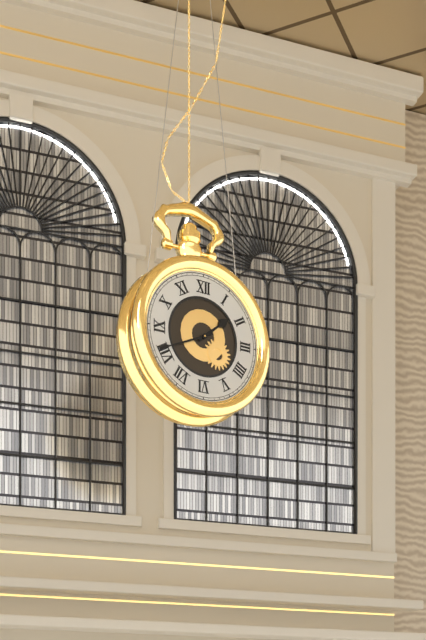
1:41
